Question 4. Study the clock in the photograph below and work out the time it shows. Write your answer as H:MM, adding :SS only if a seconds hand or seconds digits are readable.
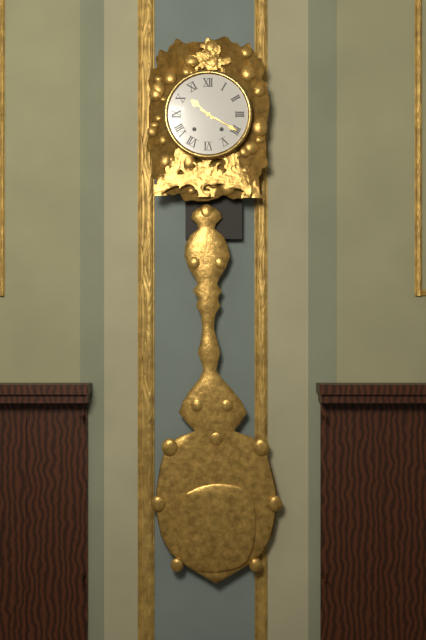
10:20
